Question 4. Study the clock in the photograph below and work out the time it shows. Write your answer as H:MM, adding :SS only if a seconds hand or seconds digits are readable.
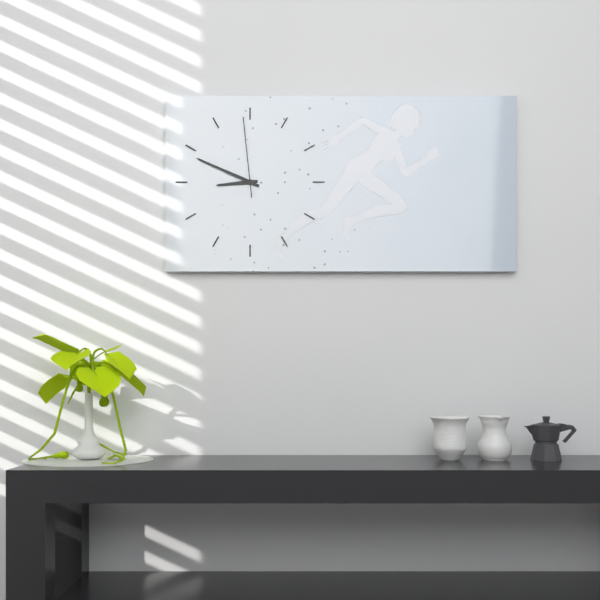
8:49:59
